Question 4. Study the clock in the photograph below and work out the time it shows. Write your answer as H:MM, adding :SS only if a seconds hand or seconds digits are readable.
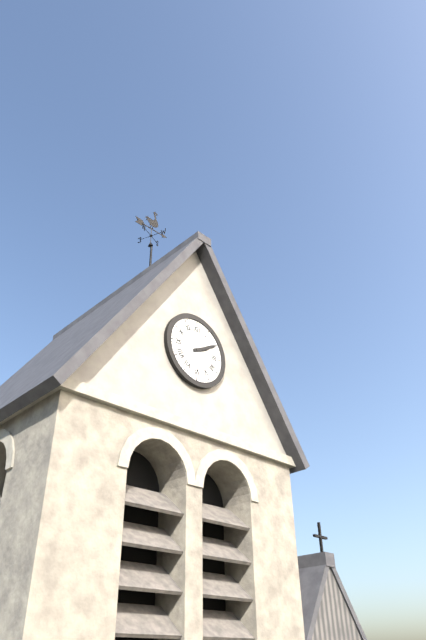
2:10
